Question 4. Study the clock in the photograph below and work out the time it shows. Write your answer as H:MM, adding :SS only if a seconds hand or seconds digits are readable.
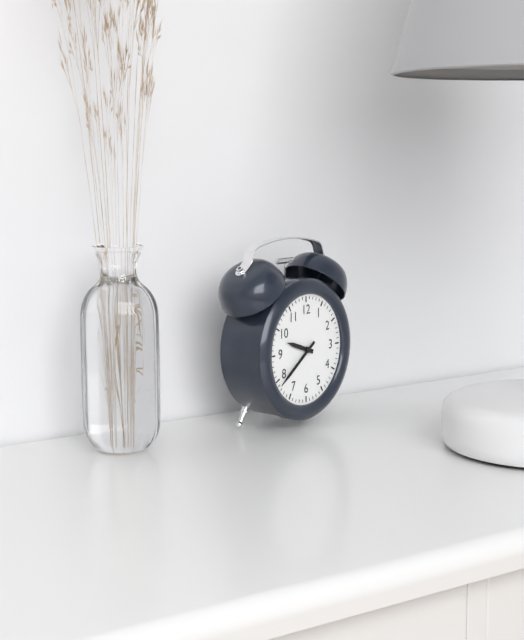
9:39
